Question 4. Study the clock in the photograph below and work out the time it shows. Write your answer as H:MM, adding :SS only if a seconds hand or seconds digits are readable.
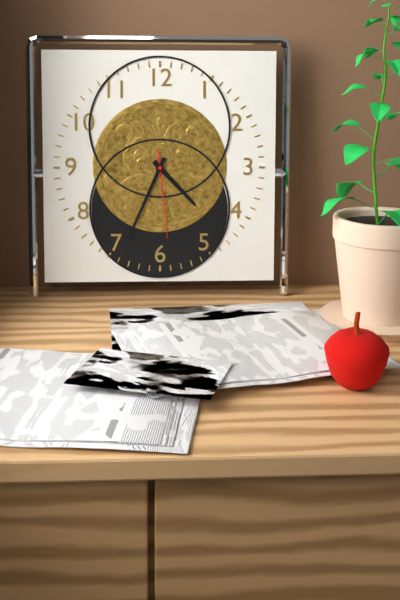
4:34:29
